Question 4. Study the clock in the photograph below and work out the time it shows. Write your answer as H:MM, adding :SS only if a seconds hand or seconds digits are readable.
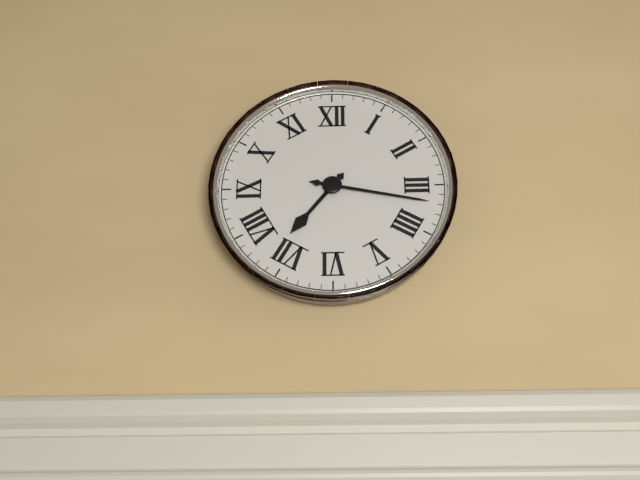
7:17
